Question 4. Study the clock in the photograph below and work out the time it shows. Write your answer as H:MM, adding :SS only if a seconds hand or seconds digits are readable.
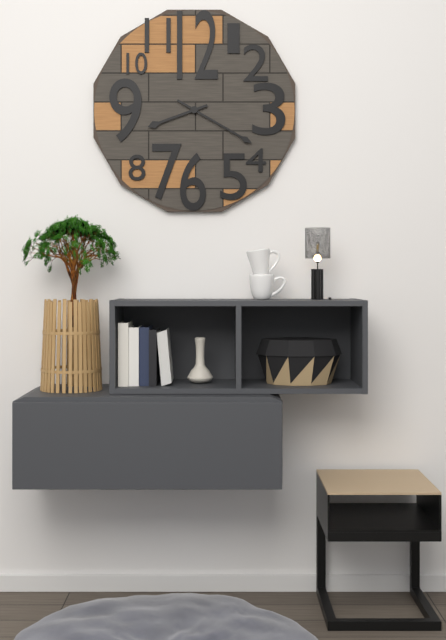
8:20
